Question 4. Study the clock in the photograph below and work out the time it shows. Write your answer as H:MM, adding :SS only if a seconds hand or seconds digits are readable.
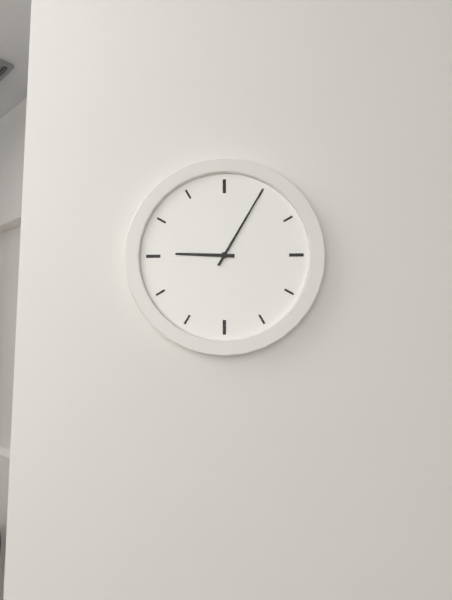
9:05
